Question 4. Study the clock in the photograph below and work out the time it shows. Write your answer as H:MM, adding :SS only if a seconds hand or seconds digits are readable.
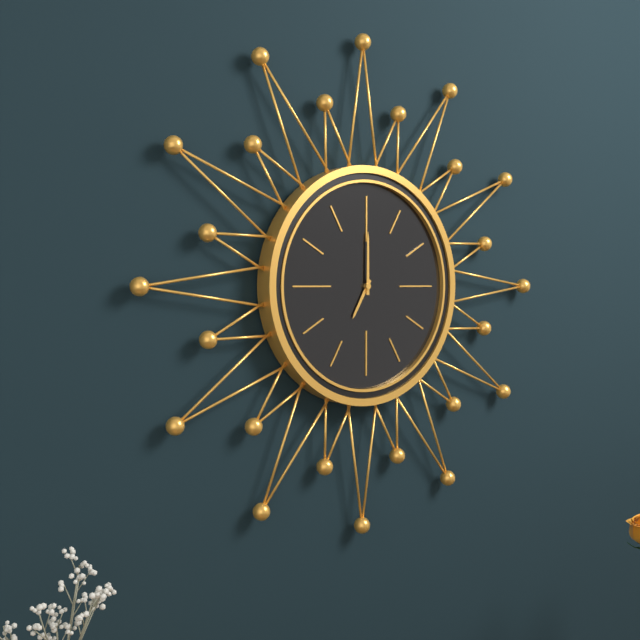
7:00
